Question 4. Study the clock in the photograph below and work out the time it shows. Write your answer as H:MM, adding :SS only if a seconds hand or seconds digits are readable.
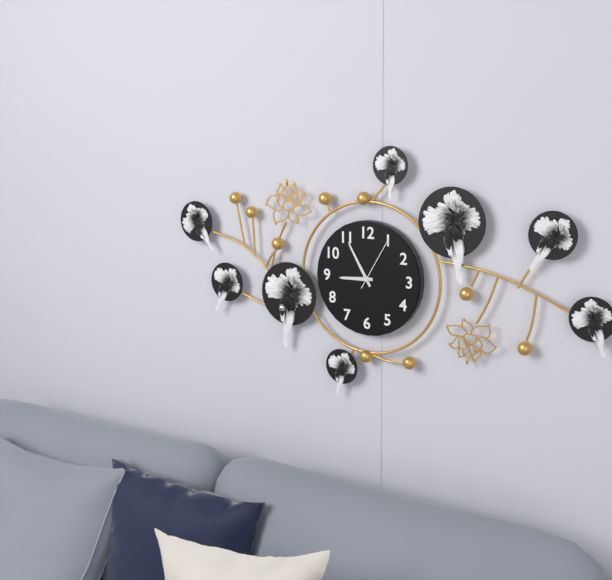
8:55:05
